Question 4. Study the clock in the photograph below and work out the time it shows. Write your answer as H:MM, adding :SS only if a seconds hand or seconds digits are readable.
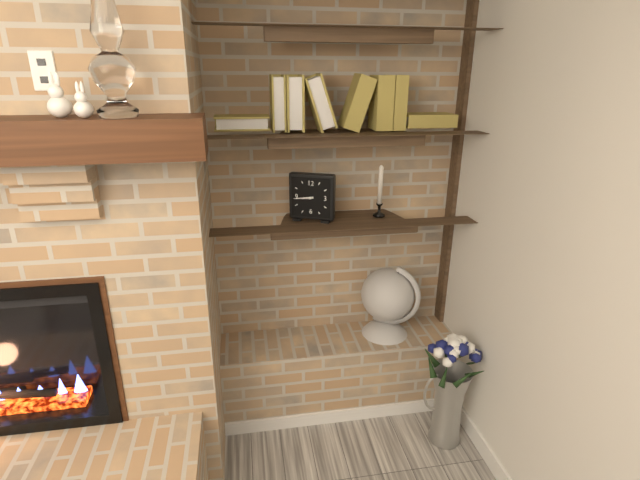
8:44
